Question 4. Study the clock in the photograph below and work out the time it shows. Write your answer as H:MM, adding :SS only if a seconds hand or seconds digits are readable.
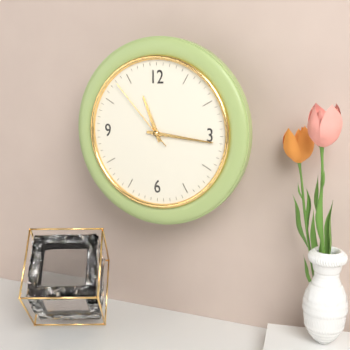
11:16:53
